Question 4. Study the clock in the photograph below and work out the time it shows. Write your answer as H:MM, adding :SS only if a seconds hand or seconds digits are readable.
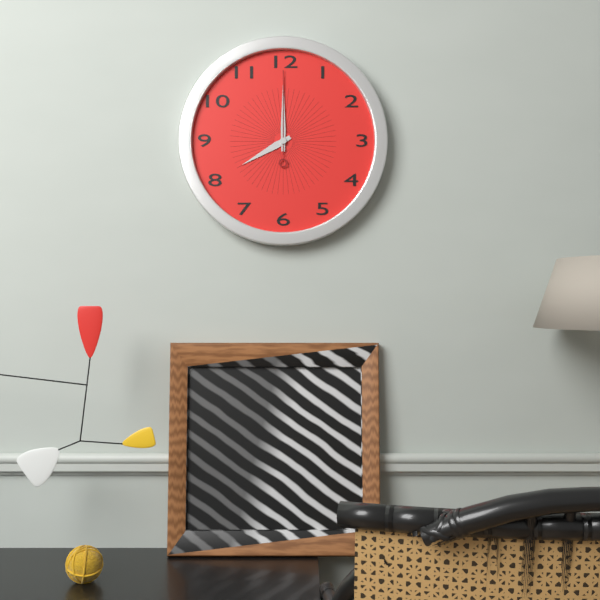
8:00:00
